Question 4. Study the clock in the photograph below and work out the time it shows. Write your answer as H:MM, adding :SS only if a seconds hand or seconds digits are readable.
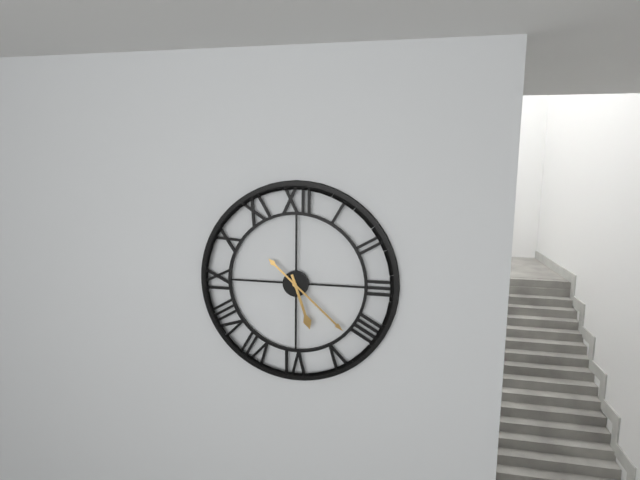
5:22
